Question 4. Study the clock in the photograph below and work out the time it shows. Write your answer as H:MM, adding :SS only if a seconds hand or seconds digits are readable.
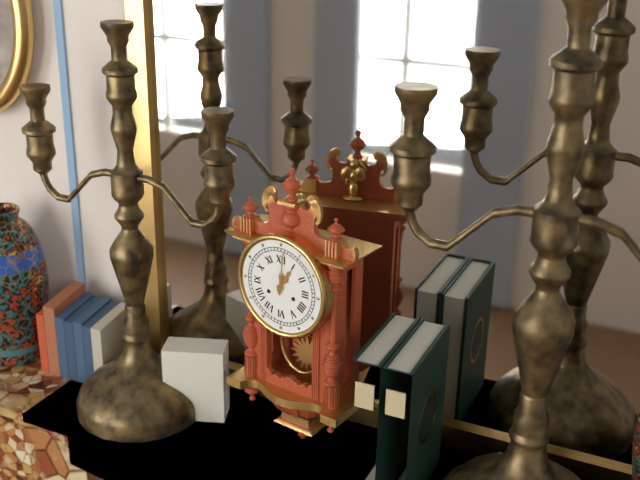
1:01
